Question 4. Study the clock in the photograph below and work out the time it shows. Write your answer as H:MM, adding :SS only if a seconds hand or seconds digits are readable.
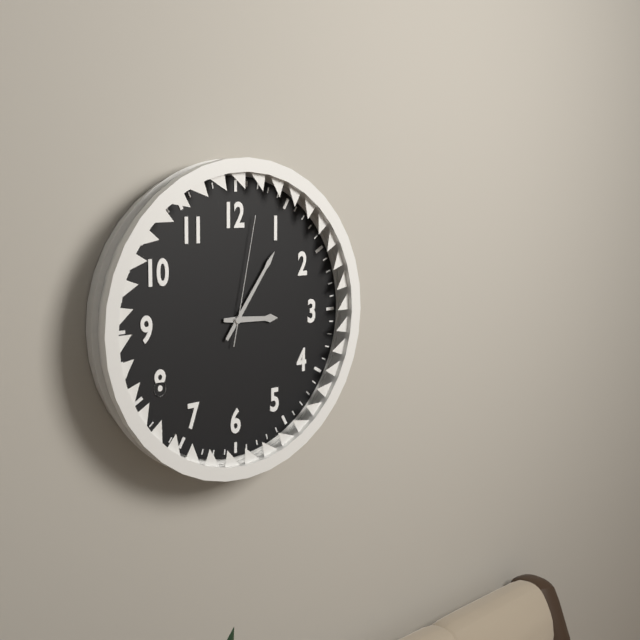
3:06:02
